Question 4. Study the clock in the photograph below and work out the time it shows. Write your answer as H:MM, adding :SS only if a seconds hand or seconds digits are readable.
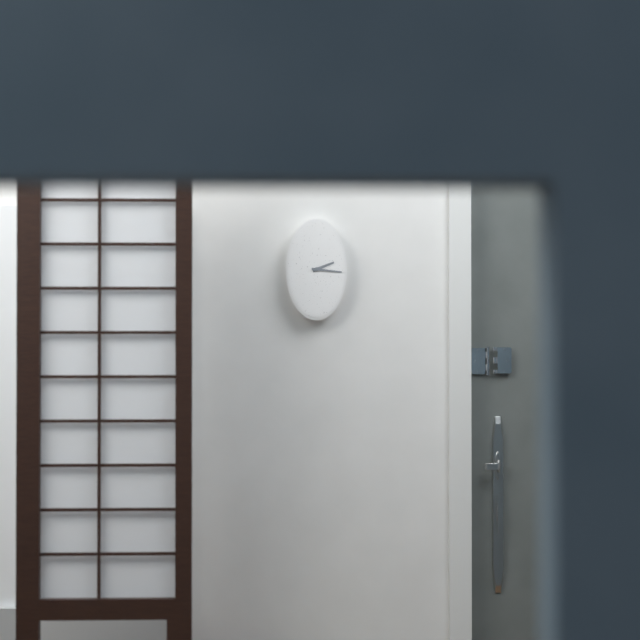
2:16
